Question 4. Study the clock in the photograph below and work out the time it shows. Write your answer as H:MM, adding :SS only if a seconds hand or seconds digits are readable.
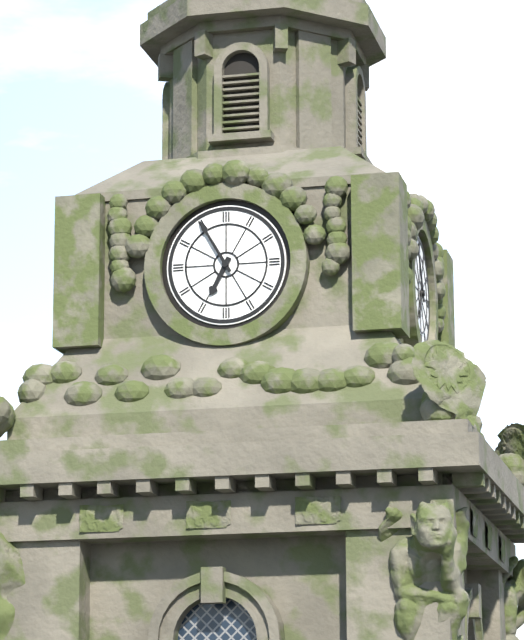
6:55
